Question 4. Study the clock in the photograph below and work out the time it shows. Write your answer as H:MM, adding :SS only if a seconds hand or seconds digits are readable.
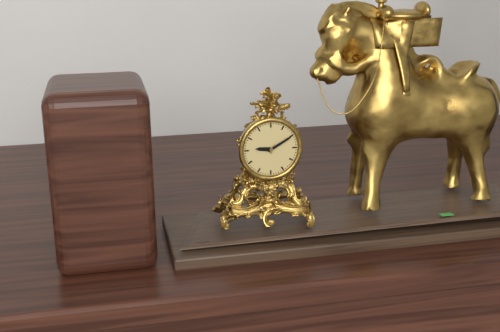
9:10
